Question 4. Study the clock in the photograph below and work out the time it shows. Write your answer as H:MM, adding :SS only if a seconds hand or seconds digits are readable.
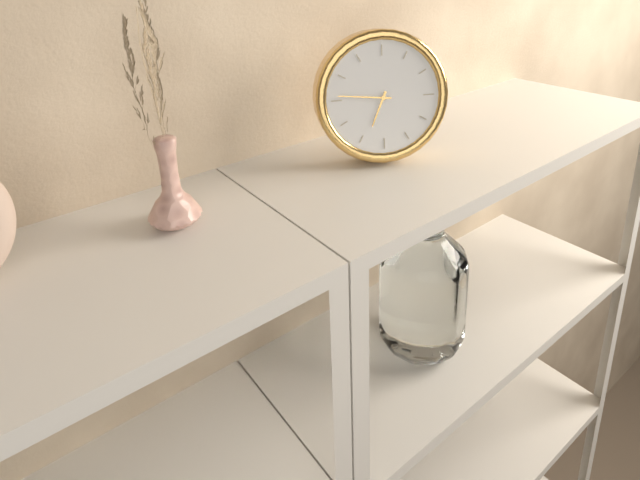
6:46
